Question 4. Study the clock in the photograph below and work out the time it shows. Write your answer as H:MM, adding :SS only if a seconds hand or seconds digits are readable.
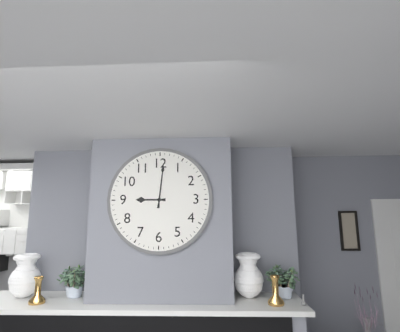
9:01
